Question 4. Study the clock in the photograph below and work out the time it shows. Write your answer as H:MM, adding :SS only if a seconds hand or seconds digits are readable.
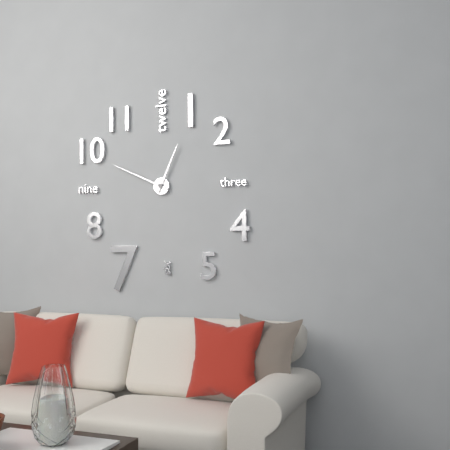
12:49
